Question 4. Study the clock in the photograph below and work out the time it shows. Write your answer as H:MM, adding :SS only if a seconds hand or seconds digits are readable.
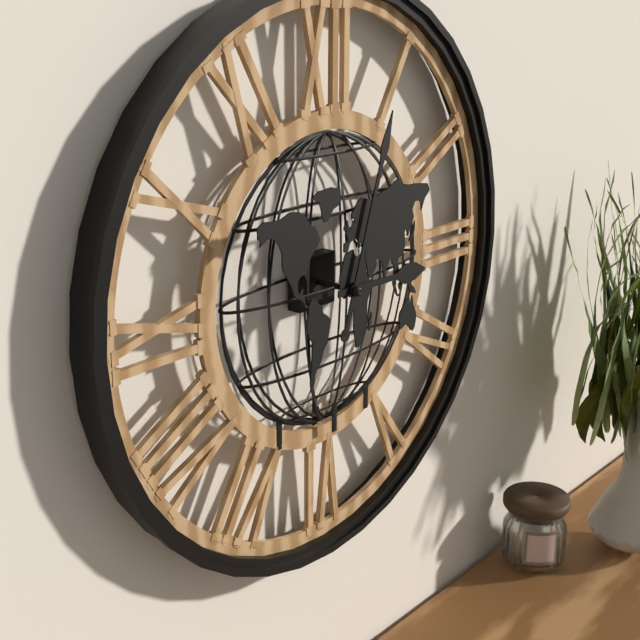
3:03
